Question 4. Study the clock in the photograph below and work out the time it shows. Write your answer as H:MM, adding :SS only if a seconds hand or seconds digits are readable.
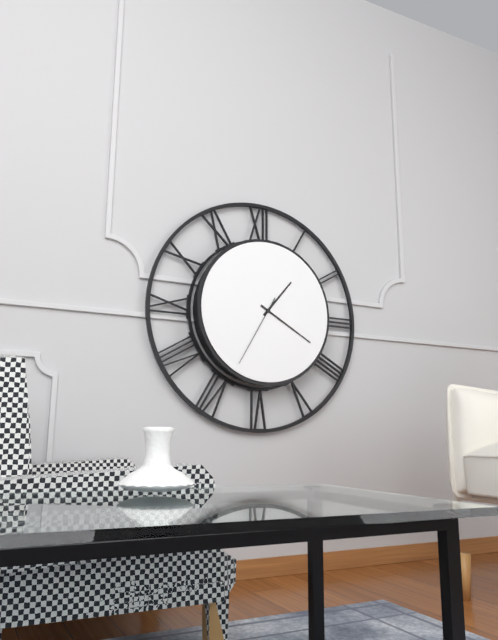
1:20:35
